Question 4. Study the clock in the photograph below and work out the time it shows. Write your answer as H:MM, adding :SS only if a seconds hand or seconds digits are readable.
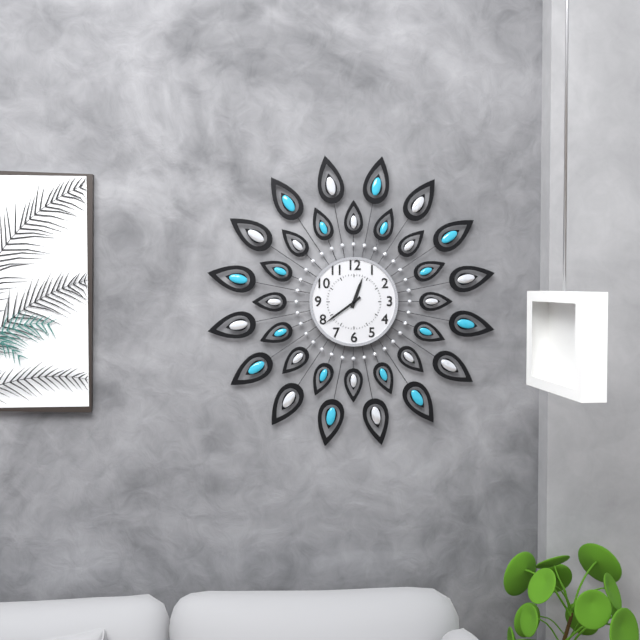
12:39
